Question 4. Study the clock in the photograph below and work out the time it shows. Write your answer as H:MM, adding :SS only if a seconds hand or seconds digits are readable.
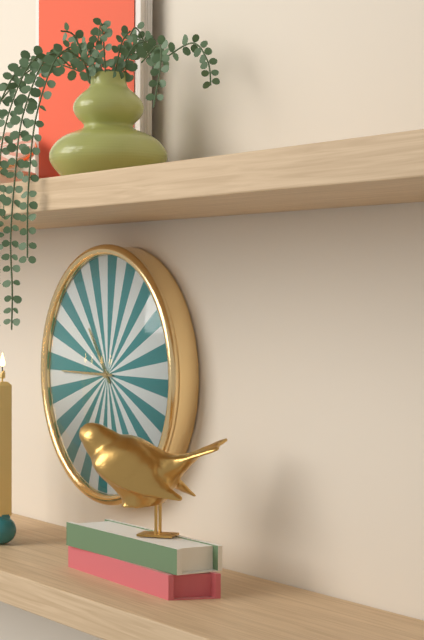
10:45
